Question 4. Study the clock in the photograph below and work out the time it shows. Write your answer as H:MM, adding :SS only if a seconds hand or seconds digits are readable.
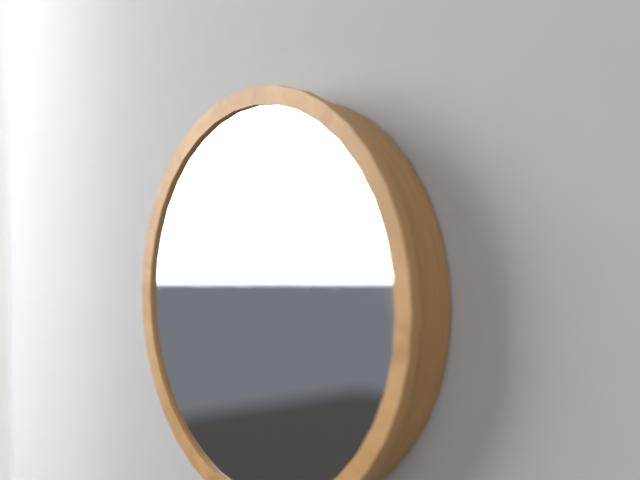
6:07
